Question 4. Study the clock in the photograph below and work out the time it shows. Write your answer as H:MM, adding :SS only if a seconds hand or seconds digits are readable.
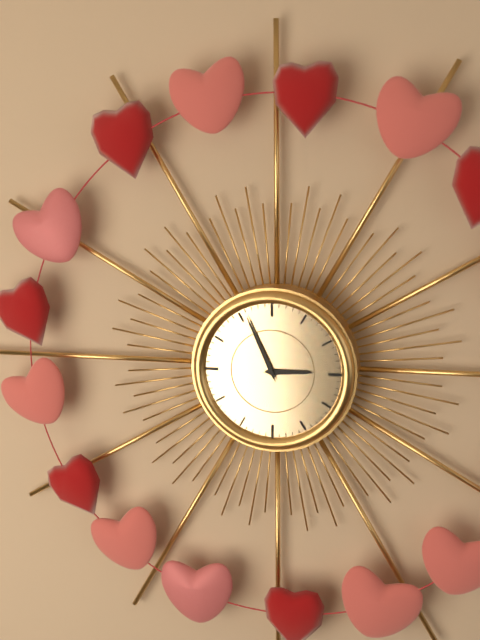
2:56
